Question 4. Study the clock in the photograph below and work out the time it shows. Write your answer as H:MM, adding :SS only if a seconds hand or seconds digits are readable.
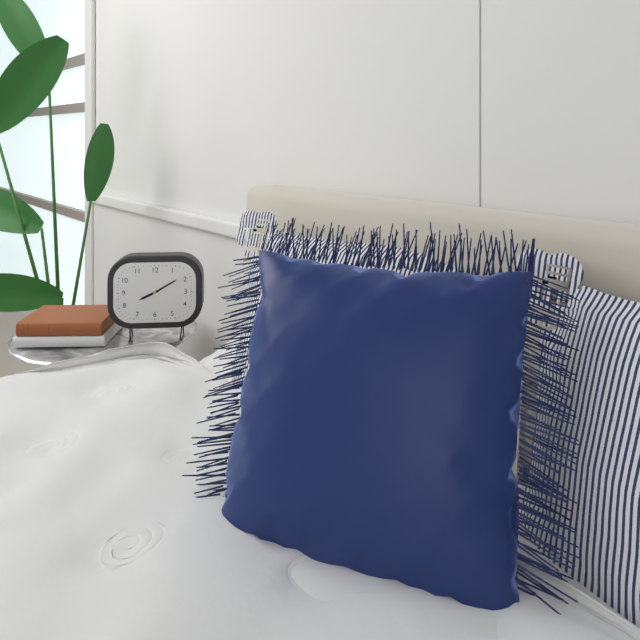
8:10
